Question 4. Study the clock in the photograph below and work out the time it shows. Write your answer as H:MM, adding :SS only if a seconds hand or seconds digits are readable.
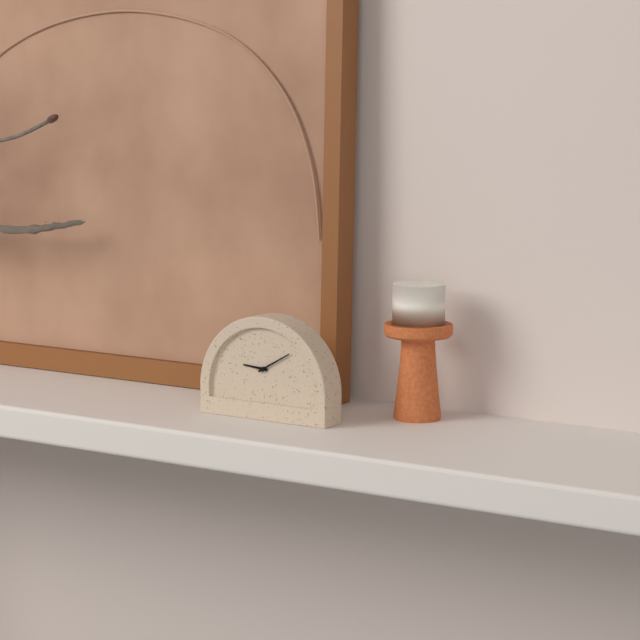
9:10
